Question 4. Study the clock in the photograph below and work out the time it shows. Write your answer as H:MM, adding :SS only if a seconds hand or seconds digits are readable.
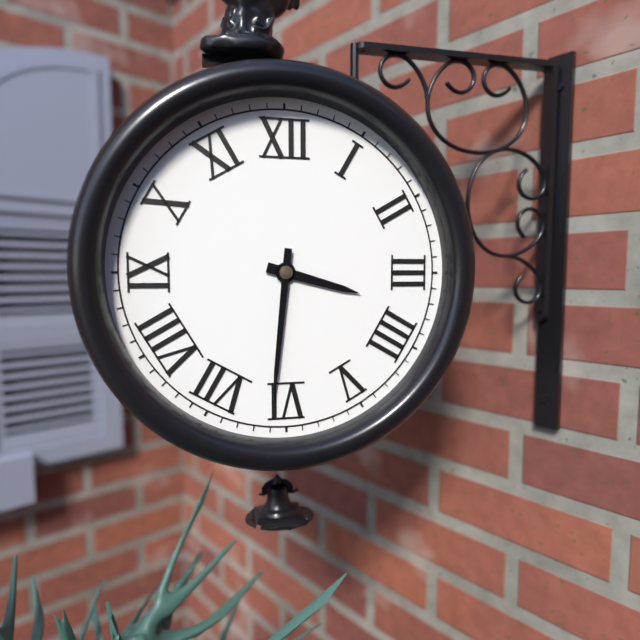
3:31
